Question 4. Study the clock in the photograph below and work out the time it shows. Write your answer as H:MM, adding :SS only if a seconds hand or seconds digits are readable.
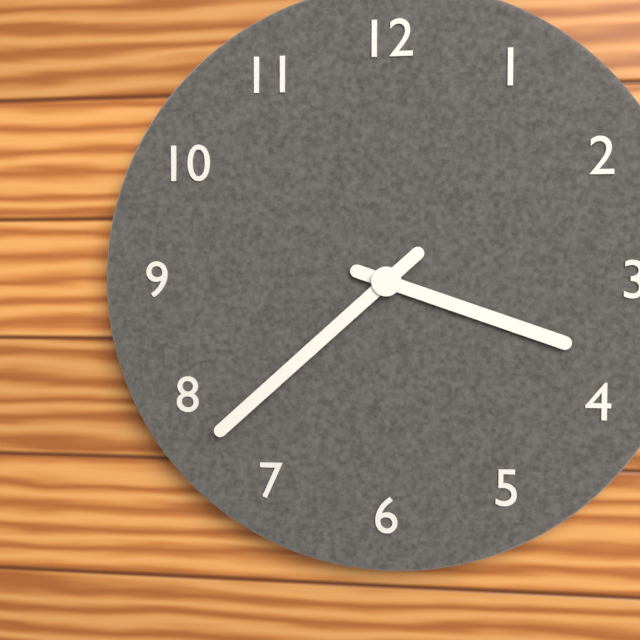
3:38
